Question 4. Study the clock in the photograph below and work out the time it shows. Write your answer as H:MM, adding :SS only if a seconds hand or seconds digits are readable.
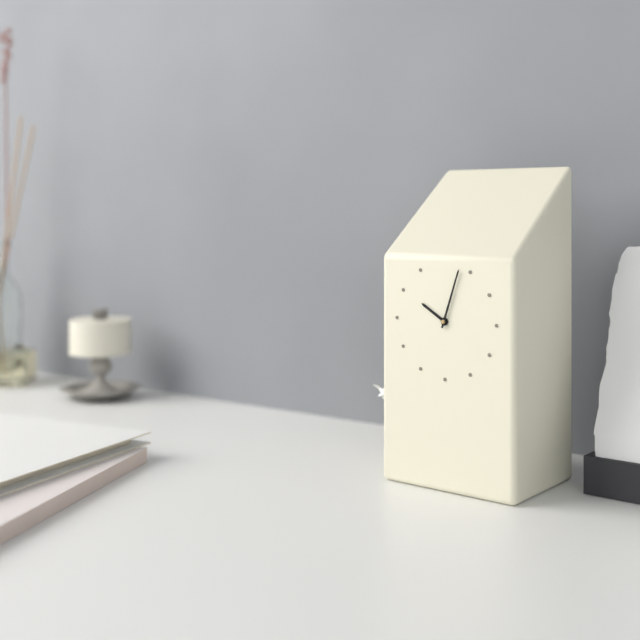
10:03
